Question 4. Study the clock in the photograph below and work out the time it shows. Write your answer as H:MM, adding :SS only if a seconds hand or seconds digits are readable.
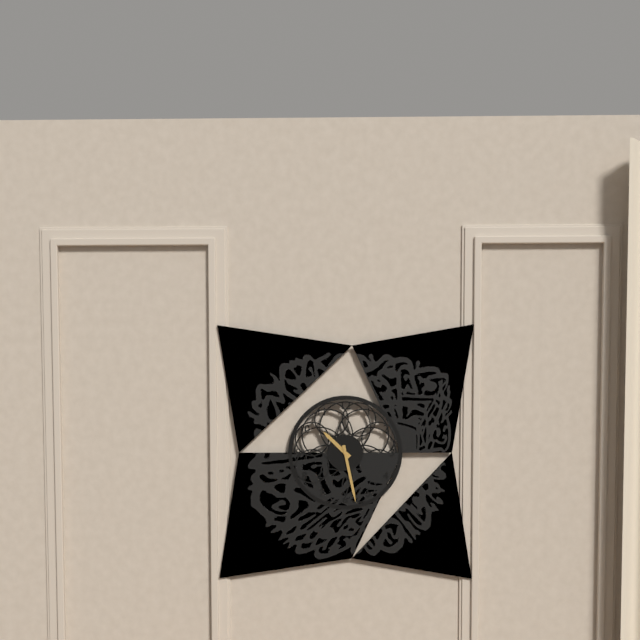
10:28
